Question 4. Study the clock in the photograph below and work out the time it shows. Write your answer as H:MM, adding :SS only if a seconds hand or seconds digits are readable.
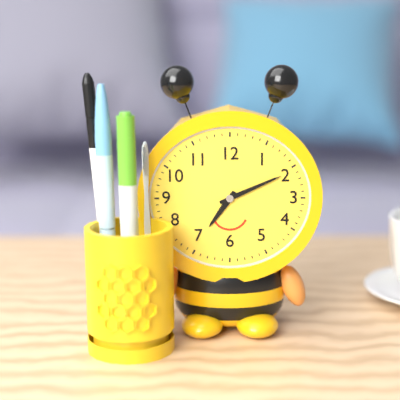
7:11
